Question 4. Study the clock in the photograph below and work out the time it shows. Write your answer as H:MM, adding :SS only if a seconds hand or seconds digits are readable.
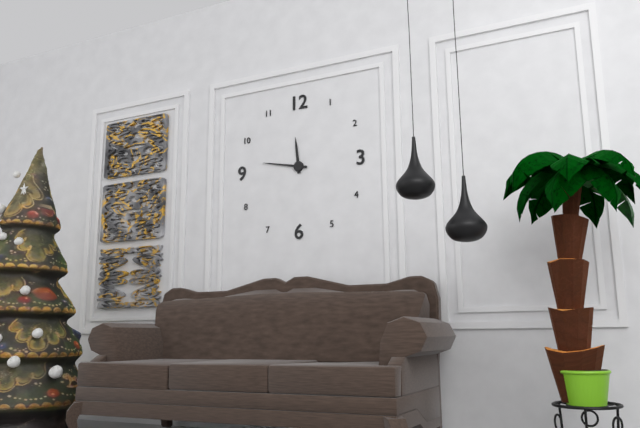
11:47
